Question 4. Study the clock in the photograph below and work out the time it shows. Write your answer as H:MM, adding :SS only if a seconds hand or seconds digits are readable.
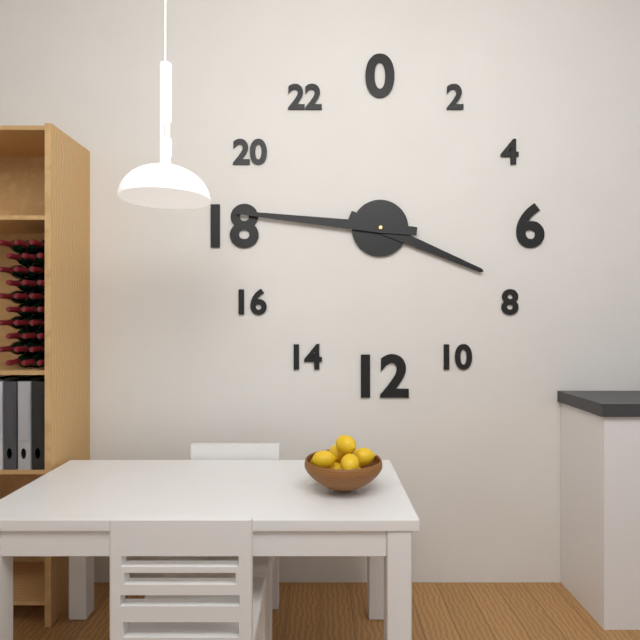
3:46
